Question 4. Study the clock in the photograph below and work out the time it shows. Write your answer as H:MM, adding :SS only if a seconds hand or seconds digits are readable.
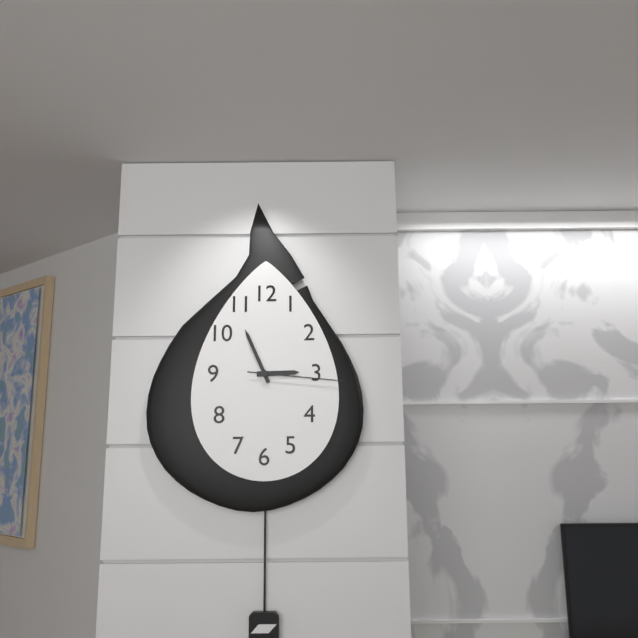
2:56:16
